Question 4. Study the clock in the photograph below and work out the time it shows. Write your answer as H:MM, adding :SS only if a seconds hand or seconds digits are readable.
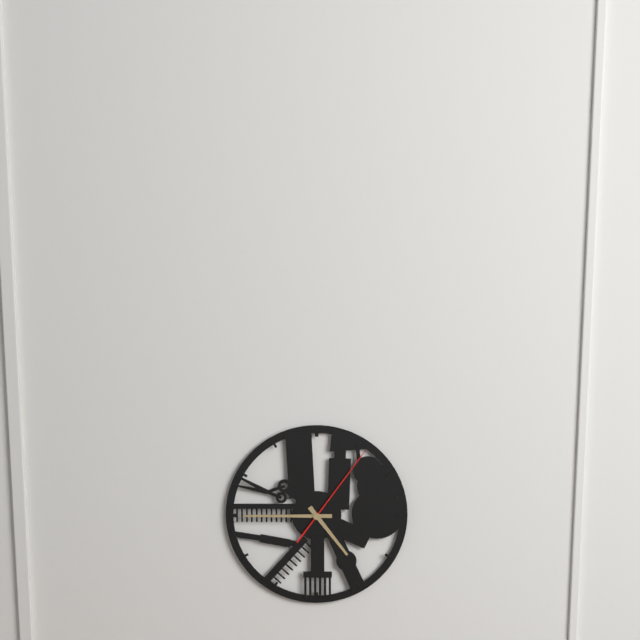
4:45:06
